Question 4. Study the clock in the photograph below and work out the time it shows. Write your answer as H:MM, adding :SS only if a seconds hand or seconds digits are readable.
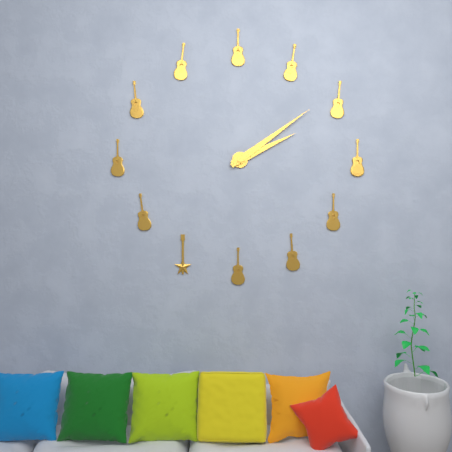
2:09
